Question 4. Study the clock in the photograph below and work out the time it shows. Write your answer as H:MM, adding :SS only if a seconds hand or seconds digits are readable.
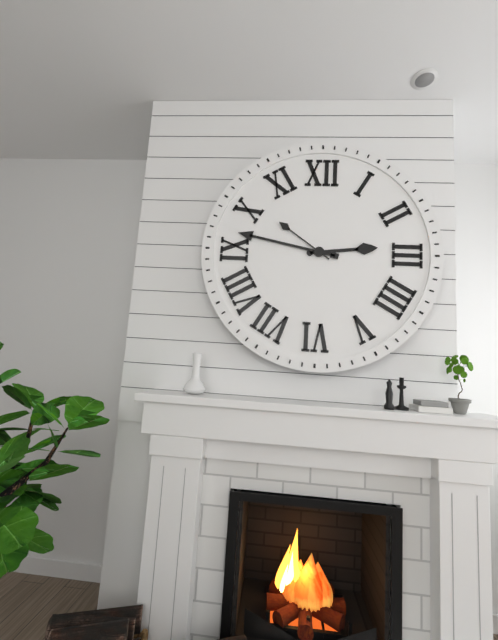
2:47:51
